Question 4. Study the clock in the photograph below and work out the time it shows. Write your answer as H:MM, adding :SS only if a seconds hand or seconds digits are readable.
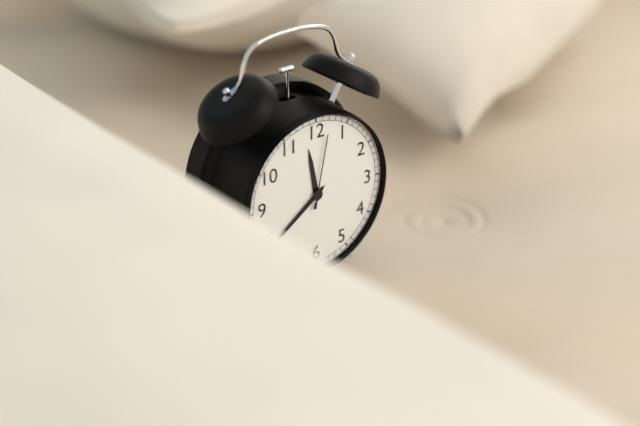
11:39:02
